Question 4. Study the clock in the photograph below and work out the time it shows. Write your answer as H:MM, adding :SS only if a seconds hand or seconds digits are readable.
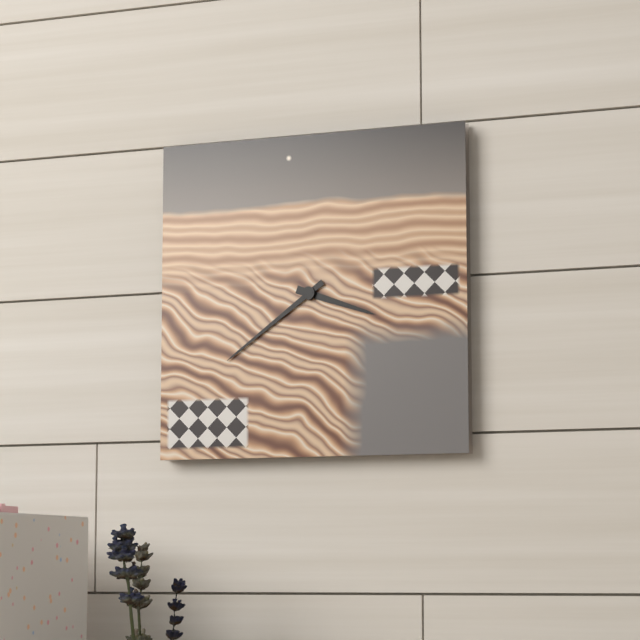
3:39
